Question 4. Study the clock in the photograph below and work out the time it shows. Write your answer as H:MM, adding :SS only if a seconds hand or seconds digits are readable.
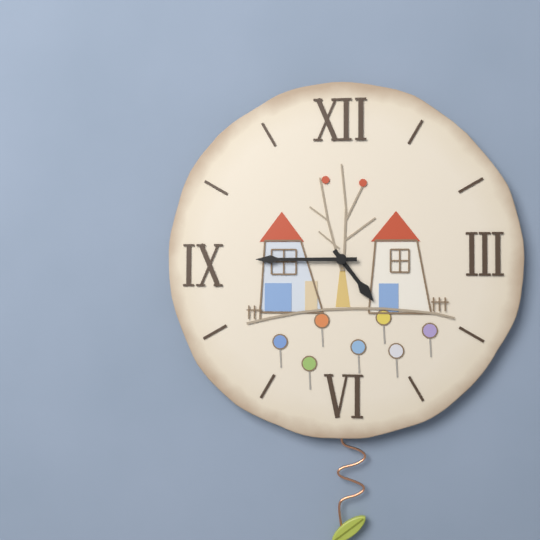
4:45
